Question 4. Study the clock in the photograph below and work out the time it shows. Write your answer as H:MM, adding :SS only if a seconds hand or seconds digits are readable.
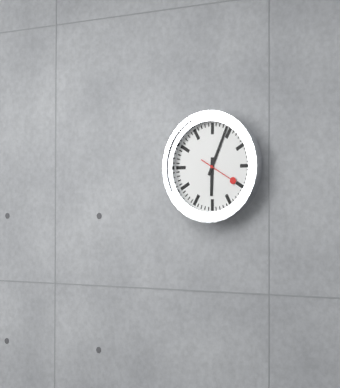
6:04
